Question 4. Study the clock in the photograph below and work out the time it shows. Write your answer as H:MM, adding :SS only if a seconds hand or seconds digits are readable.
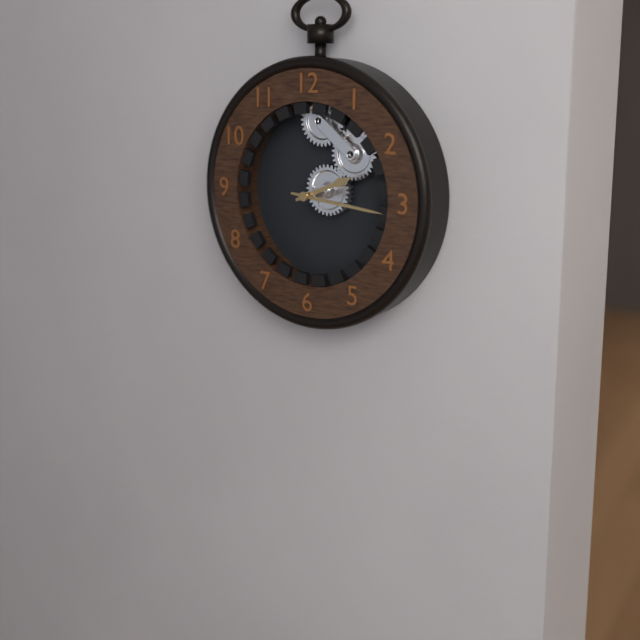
2:16
